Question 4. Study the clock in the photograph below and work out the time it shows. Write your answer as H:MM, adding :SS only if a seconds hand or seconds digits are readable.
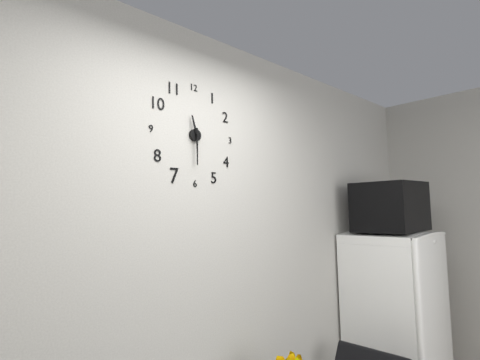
11:30
